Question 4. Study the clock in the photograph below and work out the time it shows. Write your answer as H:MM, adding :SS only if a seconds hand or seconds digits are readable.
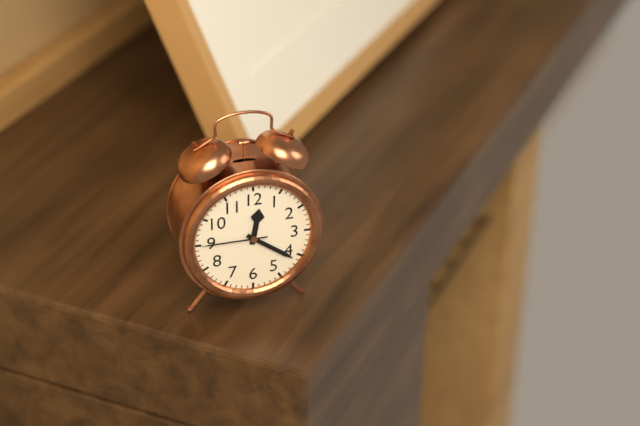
12:21:45
